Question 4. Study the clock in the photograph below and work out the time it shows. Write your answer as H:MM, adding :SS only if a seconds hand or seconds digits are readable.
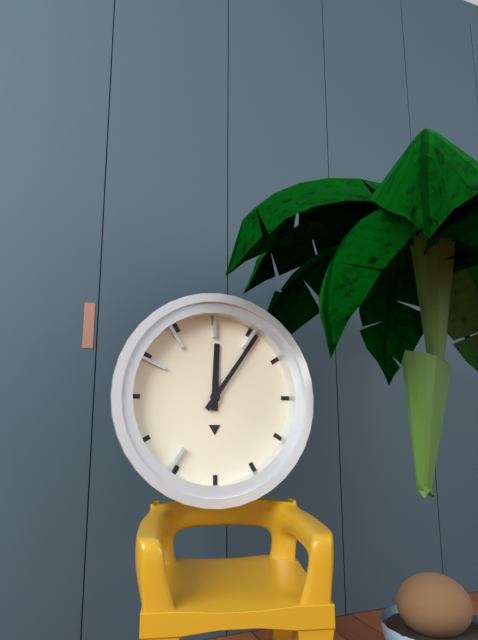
12:06
